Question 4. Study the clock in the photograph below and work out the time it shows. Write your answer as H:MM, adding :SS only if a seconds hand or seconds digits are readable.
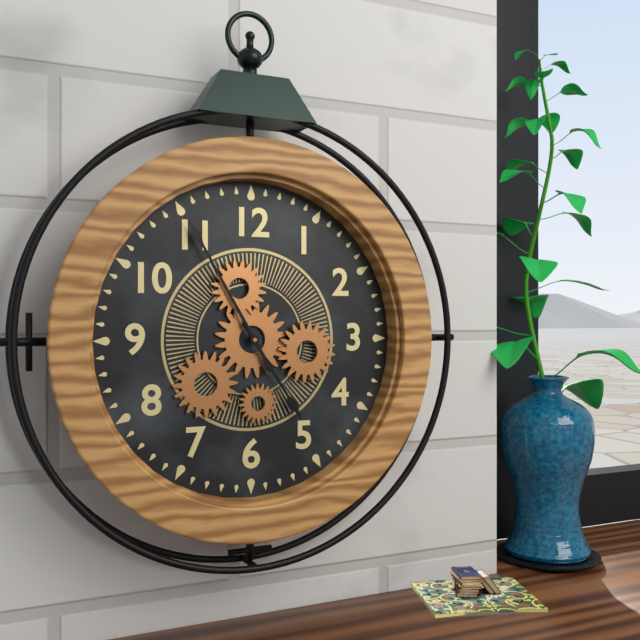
4:55
